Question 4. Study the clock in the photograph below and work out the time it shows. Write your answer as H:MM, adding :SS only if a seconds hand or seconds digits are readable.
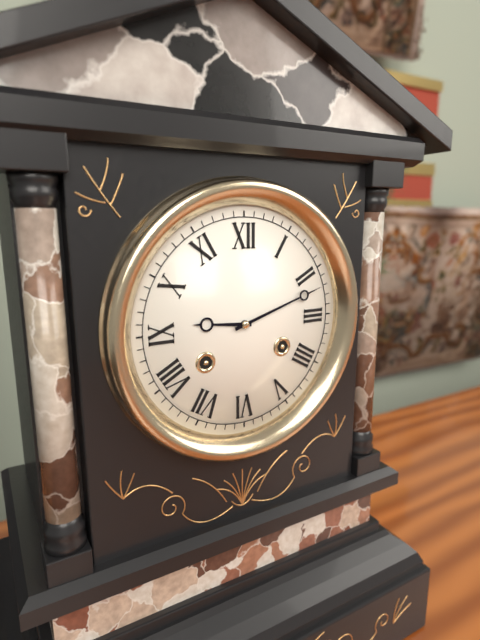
9:12
